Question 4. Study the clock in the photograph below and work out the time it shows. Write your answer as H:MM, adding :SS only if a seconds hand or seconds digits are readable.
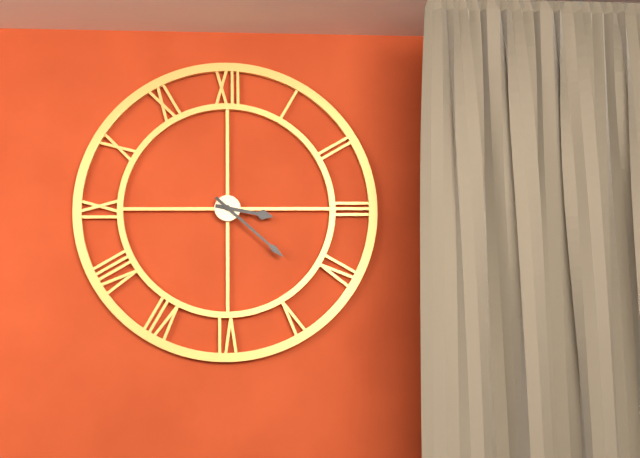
3:22
